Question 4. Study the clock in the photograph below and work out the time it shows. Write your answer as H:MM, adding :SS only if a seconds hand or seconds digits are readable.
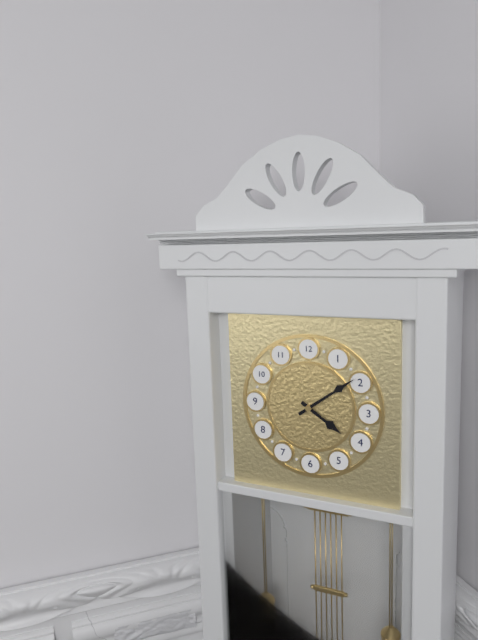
4:09
